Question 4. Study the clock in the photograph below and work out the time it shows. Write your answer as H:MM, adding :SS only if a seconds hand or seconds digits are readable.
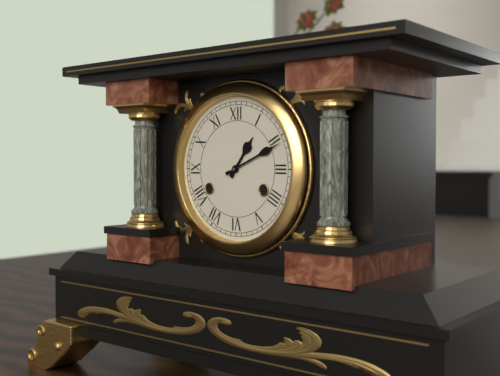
1:11
